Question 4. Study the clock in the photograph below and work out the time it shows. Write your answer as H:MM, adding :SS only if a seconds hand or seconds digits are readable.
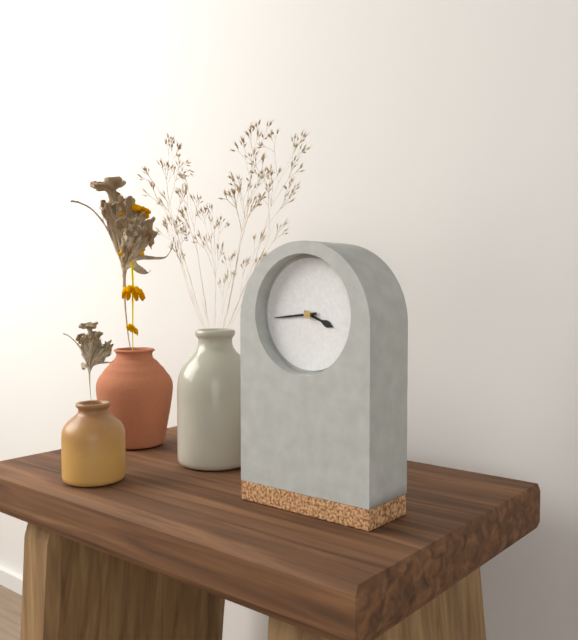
3:44
